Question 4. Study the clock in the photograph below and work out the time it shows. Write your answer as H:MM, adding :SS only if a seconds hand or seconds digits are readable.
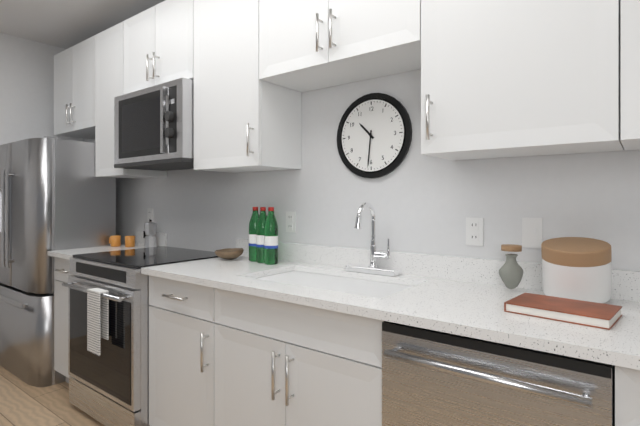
10:31
